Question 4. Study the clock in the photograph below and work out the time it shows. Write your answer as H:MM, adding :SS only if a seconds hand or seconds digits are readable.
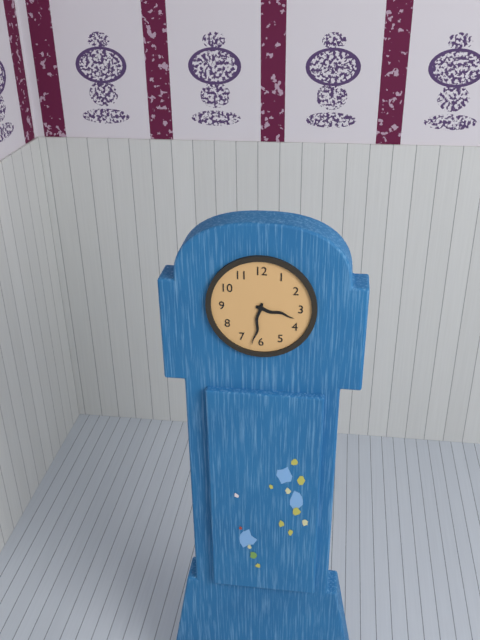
3:32
